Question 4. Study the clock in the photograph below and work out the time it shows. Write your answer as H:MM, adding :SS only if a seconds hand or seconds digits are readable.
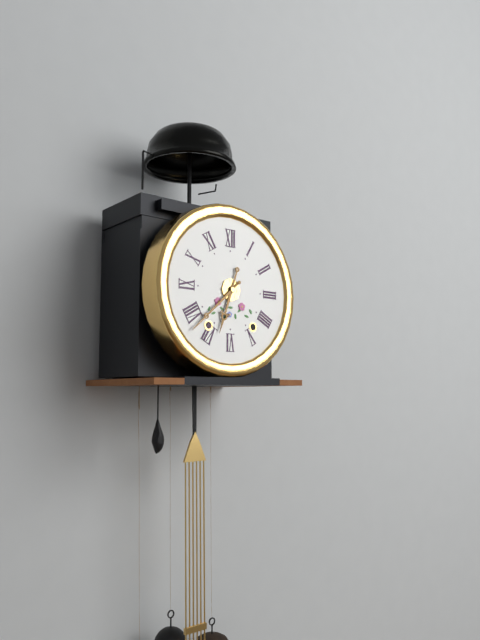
6:38
